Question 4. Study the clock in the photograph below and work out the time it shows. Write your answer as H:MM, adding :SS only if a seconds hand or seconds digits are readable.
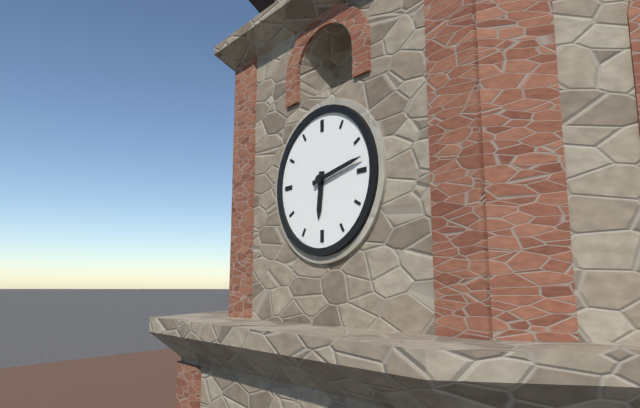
6:13
